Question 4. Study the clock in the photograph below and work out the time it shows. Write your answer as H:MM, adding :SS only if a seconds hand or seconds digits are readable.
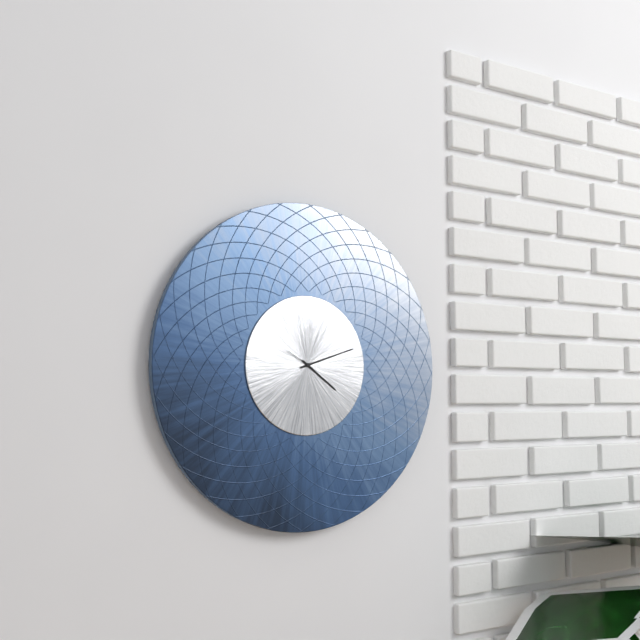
4:12
